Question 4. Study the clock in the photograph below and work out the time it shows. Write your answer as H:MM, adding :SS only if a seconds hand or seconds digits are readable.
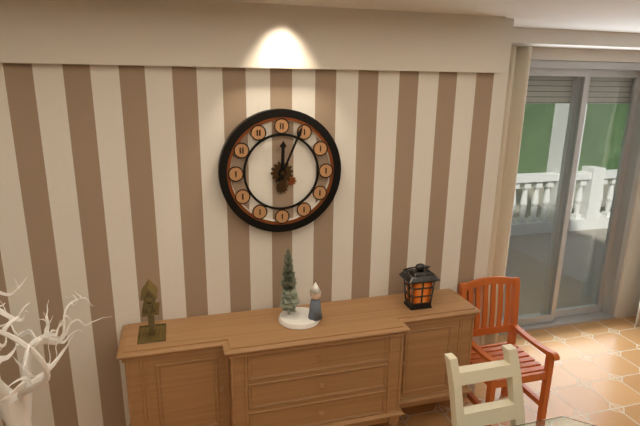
12:04
